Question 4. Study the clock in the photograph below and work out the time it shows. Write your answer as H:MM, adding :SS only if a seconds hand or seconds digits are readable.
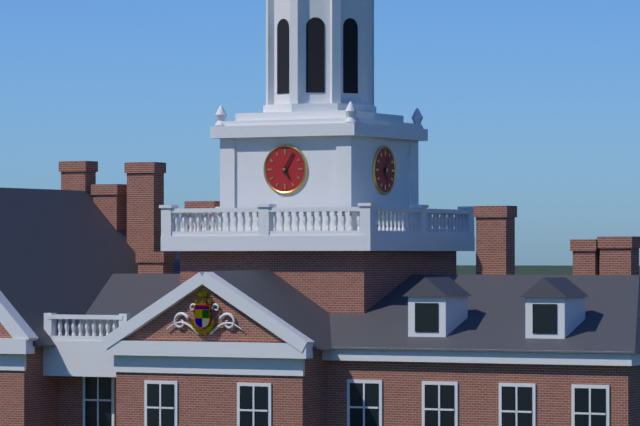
5:05
